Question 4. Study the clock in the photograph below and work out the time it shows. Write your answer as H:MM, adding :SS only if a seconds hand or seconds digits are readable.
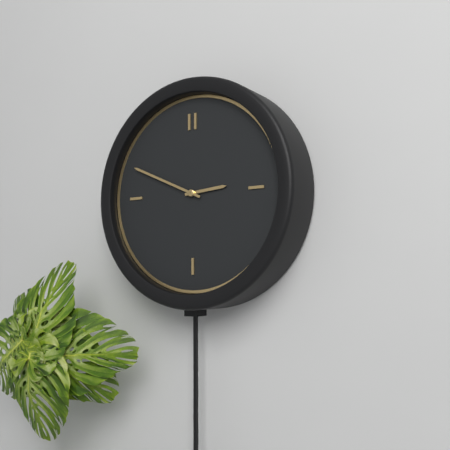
2:49
